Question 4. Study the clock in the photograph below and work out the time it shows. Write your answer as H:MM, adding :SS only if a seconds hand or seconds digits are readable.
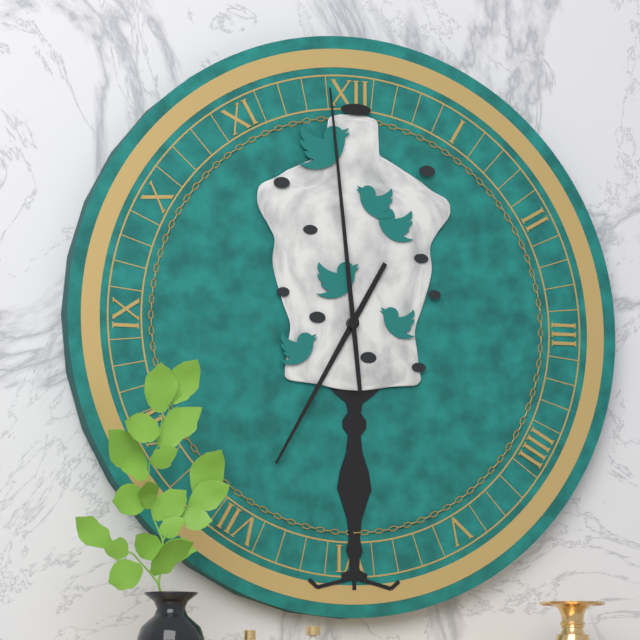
6:59
